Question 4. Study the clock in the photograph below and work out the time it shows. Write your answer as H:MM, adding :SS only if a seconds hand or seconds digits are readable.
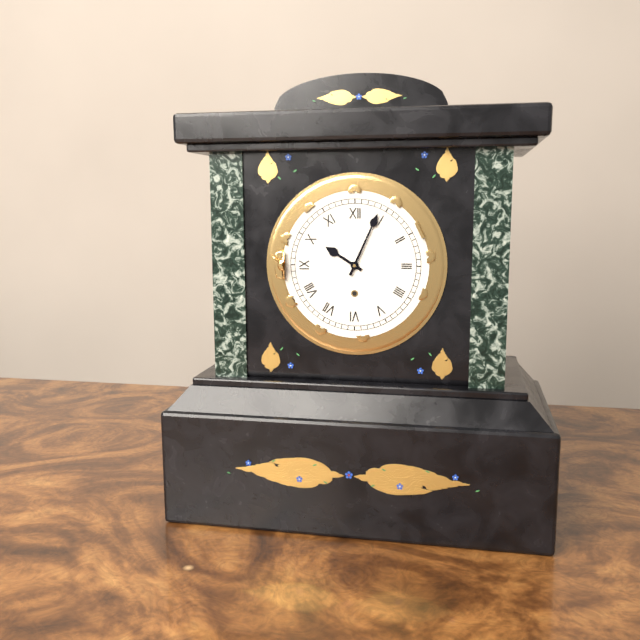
10:04
